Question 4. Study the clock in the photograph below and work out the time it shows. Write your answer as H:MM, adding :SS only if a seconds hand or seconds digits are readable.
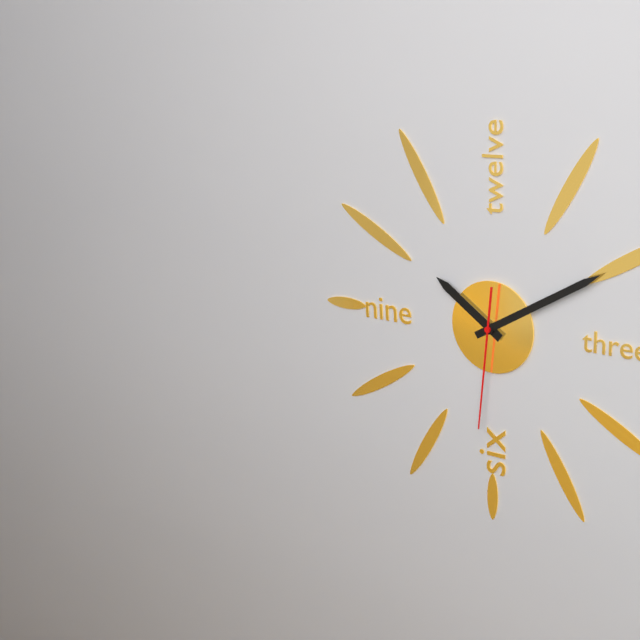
10:10:31
